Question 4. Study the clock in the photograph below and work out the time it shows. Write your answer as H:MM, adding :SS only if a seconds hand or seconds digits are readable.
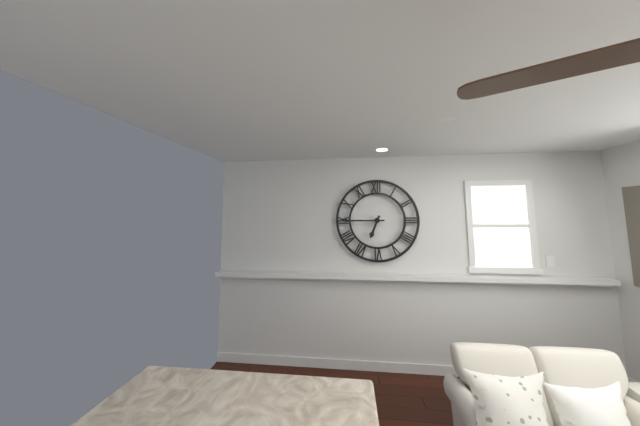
6:45
